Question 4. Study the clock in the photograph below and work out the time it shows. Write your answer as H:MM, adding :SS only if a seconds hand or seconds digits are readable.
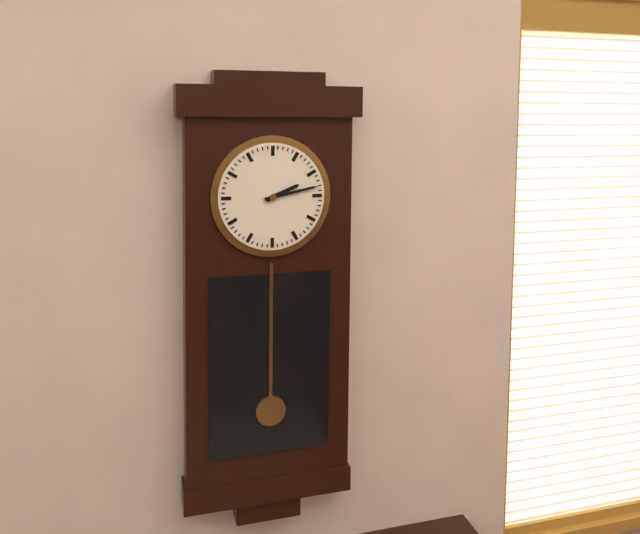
2:13
